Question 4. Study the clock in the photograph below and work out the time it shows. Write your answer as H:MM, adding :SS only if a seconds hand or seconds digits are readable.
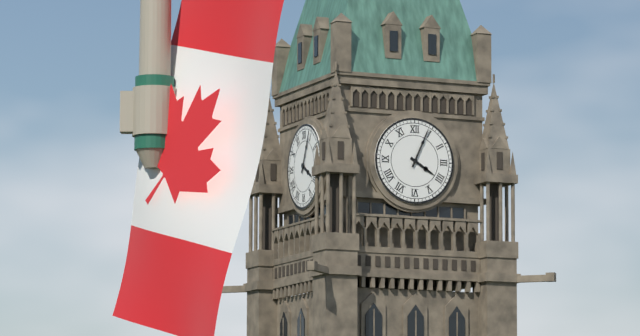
4:04
